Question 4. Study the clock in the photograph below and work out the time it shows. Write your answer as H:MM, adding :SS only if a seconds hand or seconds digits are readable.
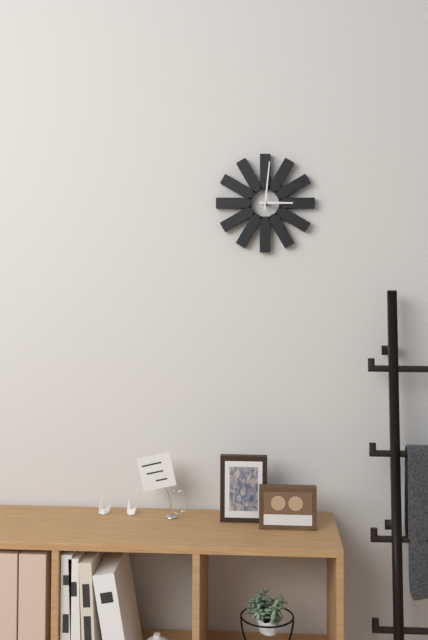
3:01
